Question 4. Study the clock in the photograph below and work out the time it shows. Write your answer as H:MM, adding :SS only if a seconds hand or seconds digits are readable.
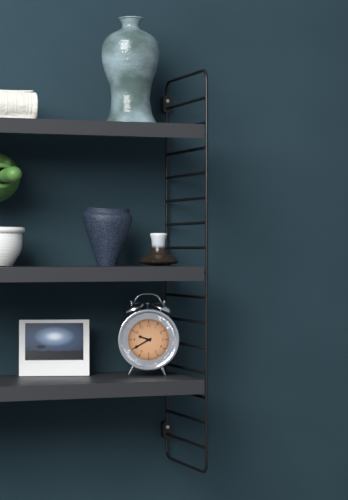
9:40
